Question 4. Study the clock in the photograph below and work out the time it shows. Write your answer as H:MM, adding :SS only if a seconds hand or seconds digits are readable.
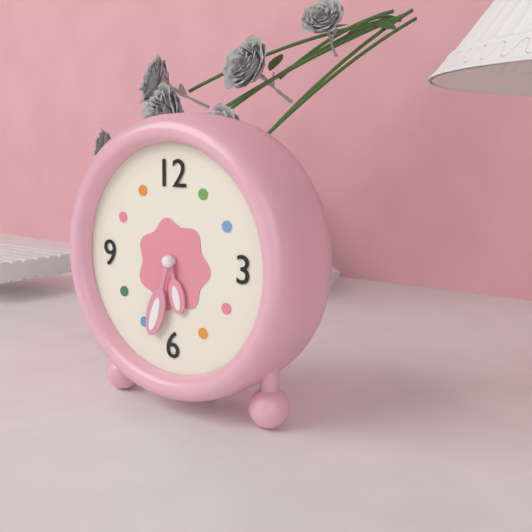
5:33
